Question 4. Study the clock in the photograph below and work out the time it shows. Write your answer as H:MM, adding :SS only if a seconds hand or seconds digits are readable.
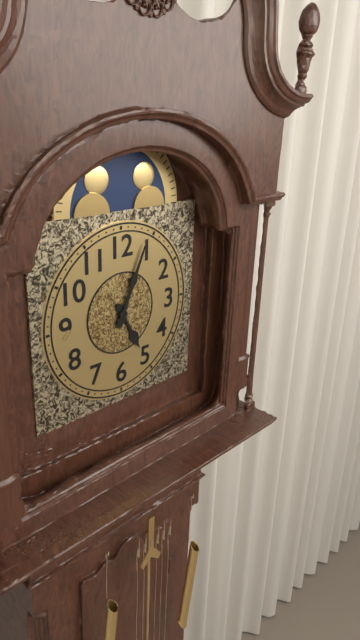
5:04
